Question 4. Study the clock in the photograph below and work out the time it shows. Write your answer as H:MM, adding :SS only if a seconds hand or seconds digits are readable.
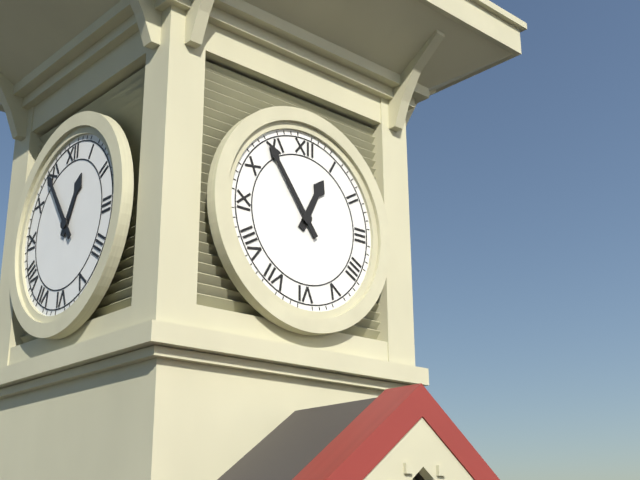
12:54
